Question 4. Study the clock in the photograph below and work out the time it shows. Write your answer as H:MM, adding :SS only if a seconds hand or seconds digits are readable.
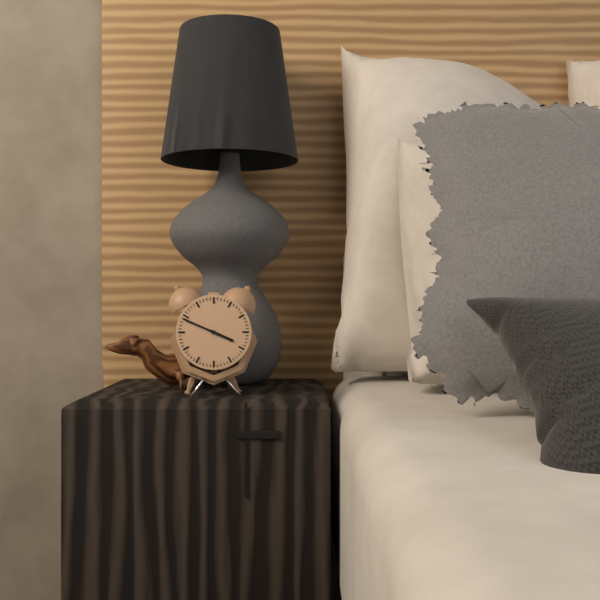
3:49
